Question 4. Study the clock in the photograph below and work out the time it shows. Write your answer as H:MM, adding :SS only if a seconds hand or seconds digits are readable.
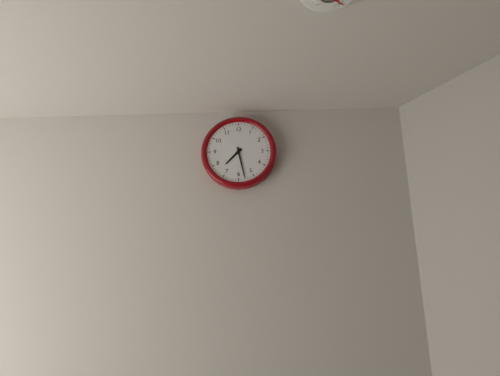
7:28
